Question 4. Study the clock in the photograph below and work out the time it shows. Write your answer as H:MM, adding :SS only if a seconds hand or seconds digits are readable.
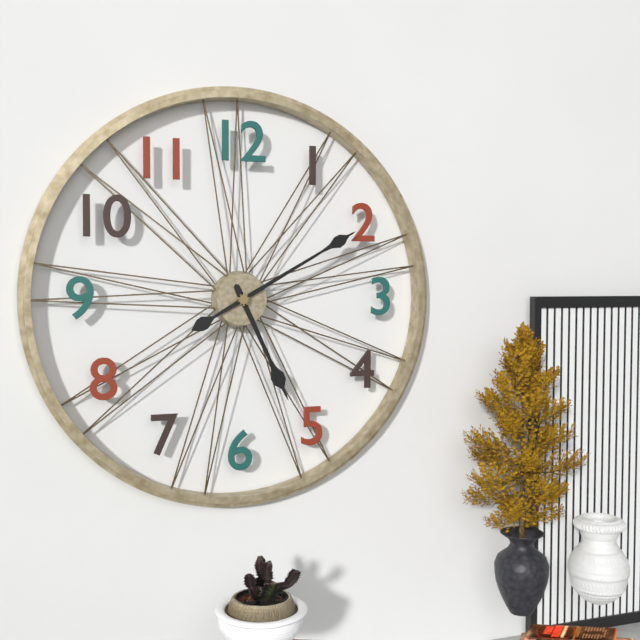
5:10
